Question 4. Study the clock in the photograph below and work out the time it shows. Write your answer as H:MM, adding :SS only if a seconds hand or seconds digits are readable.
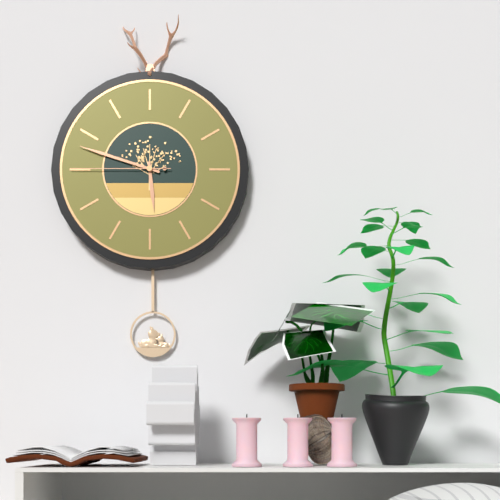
5:48:45
